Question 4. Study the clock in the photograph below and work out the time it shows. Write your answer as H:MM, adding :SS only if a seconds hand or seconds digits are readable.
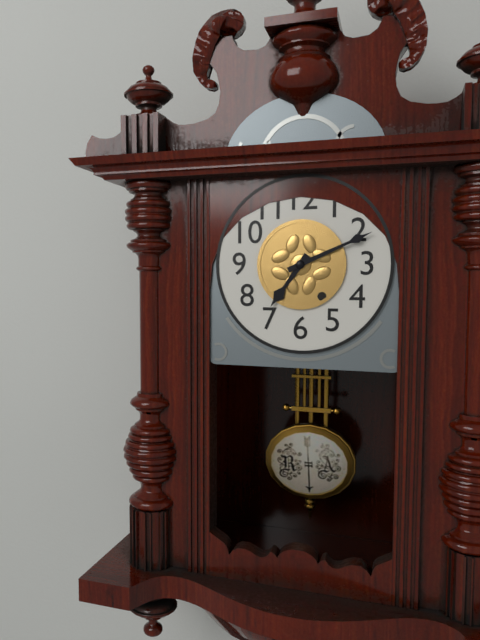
7:11
